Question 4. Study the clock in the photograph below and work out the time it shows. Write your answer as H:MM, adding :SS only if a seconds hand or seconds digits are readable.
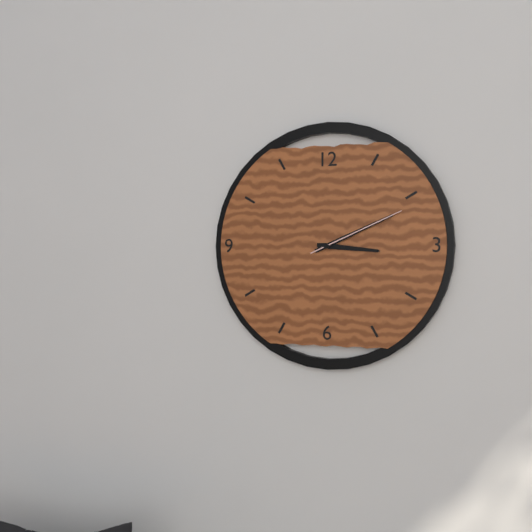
3:11:11
